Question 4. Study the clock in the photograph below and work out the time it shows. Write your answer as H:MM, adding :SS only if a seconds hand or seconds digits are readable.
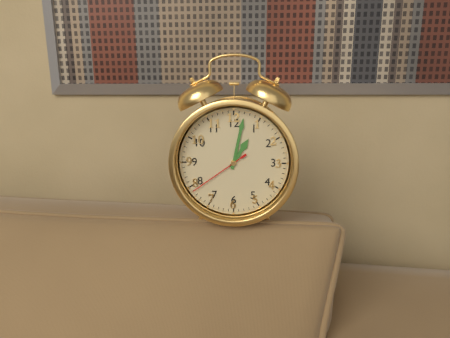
1:02:39
